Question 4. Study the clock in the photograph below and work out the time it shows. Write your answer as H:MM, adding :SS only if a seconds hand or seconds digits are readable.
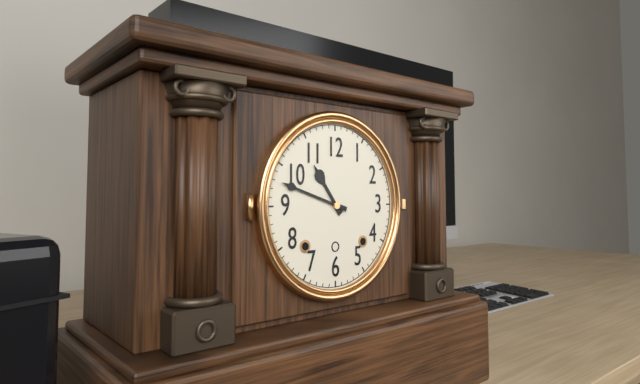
10:48
